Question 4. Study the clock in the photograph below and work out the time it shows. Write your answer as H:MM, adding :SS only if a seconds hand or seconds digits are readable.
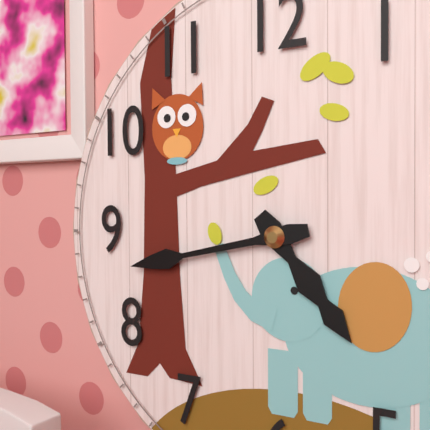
4:43
